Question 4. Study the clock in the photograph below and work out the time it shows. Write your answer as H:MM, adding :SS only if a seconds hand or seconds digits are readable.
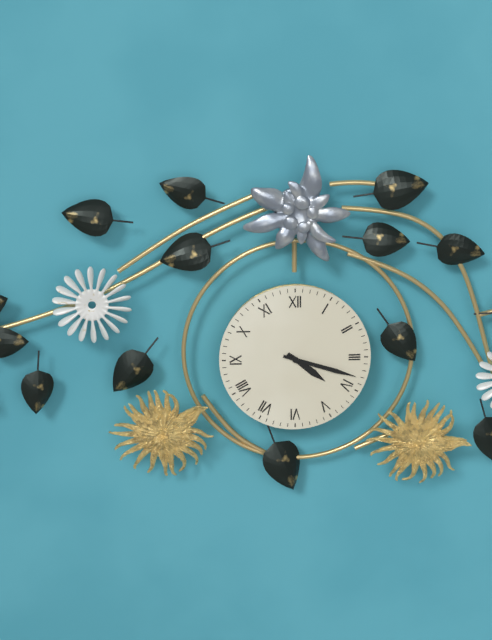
4:18
